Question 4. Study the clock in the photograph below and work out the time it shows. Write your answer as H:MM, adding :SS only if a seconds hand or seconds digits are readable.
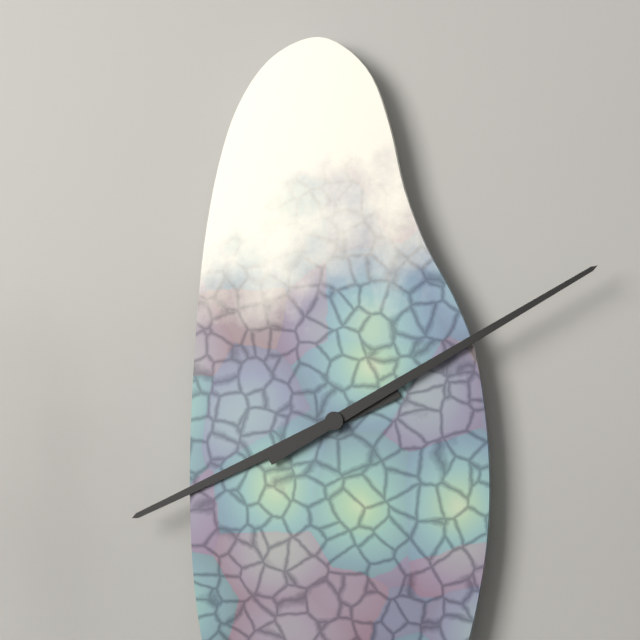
8:10
